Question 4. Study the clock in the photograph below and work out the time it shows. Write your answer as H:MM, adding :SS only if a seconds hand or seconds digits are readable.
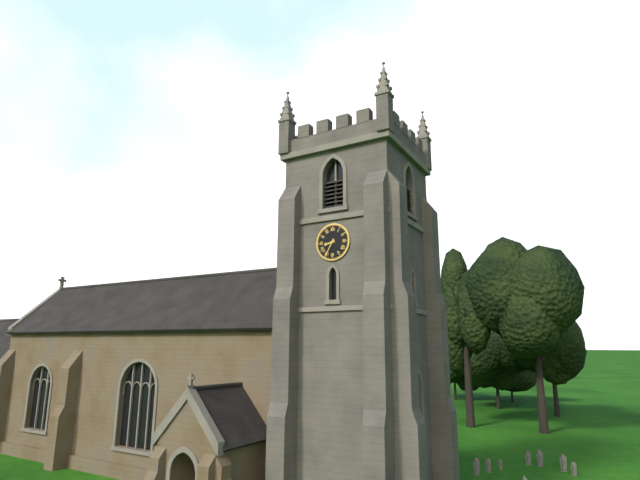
8:35
